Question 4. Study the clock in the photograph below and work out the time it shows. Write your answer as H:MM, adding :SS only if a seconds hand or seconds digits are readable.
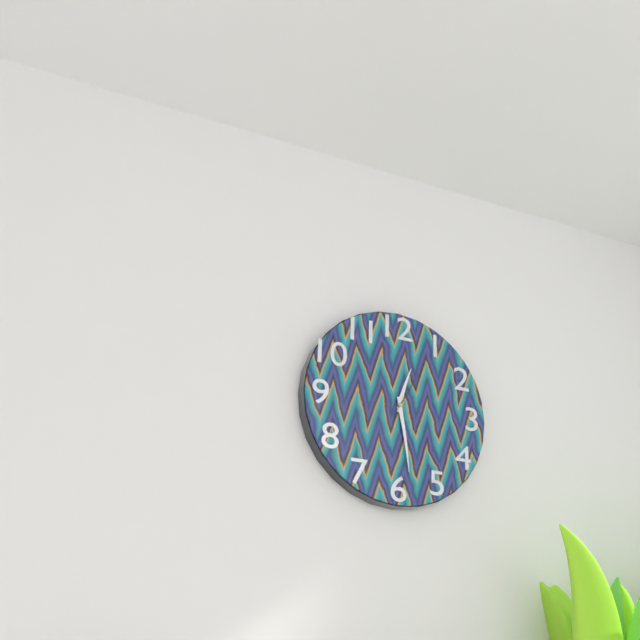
12:28:05
